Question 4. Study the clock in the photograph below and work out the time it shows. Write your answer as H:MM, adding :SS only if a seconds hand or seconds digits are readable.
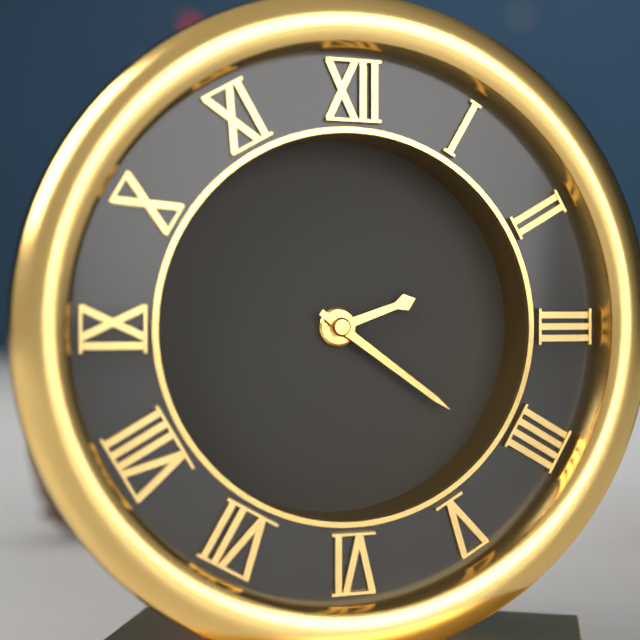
2:21
